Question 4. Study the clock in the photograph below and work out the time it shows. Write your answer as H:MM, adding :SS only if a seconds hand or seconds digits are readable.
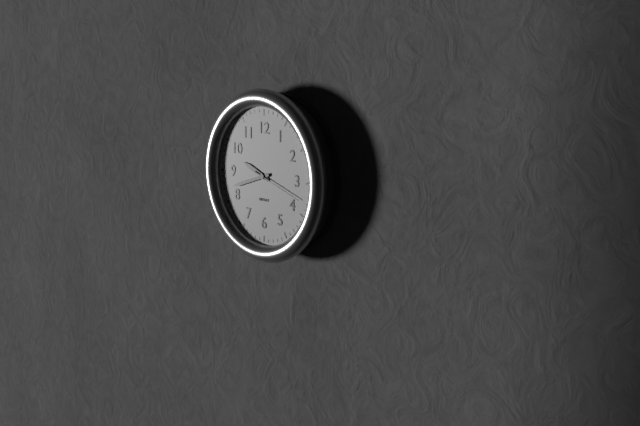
9:42:18
